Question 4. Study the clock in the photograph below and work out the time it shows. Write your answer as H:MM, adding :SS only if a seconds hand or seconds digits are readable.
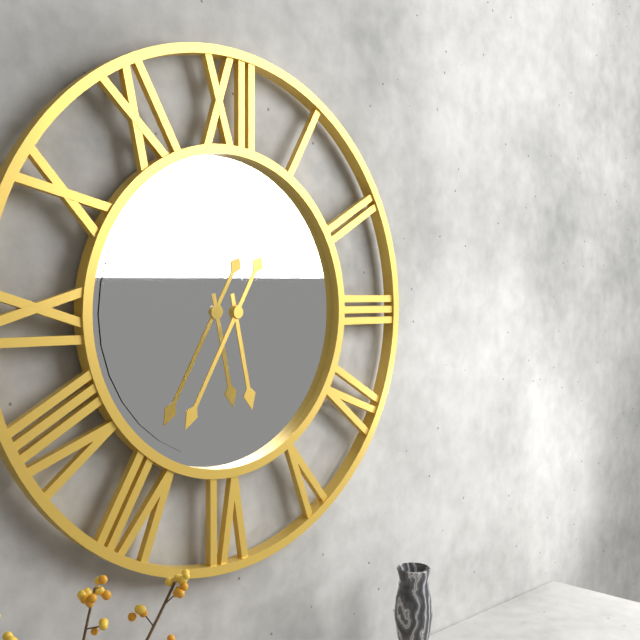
5:35
